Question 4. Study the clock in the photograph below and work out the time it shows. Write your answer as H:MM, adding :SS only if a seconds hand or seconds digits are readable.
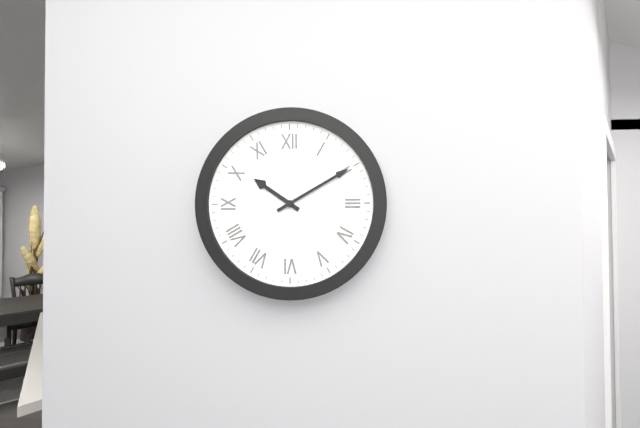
10:10
